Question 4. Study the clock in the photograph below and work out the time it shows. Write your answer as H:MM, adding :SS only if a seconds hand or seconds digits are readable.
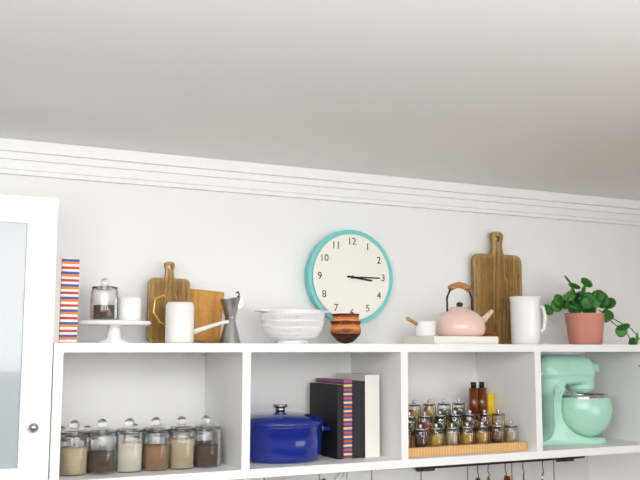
3:15
